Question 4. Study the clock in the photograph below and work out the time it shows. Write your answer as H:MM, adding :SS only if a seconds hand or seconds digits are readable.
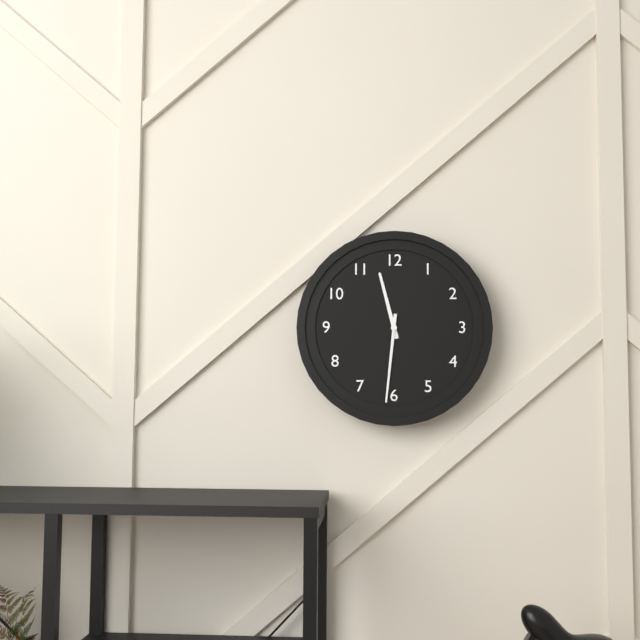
11:31
